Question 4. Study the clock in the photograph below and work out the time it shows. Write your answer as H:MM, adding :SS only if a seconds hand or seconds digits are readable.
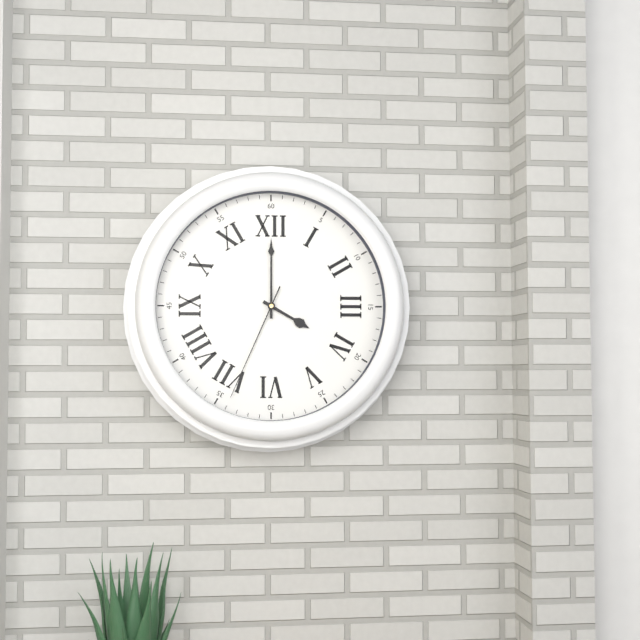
4:00:34
